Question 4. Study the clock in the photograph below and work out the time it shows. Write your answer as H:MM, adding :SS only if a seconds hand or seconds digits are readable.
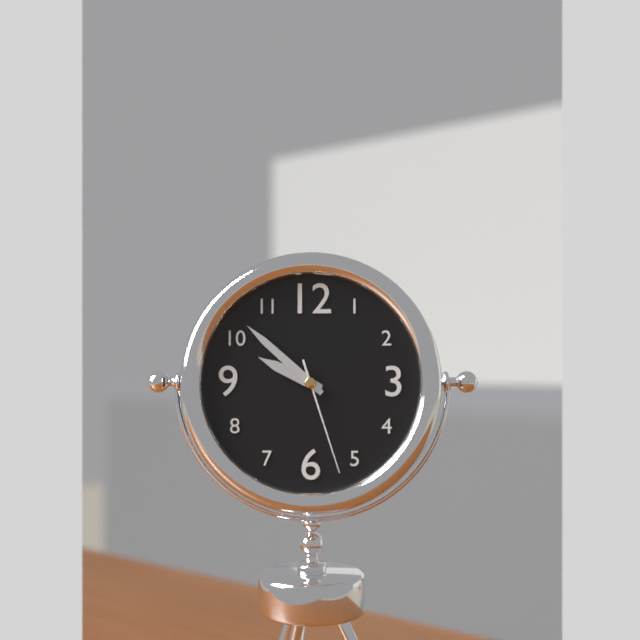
9:52:27
